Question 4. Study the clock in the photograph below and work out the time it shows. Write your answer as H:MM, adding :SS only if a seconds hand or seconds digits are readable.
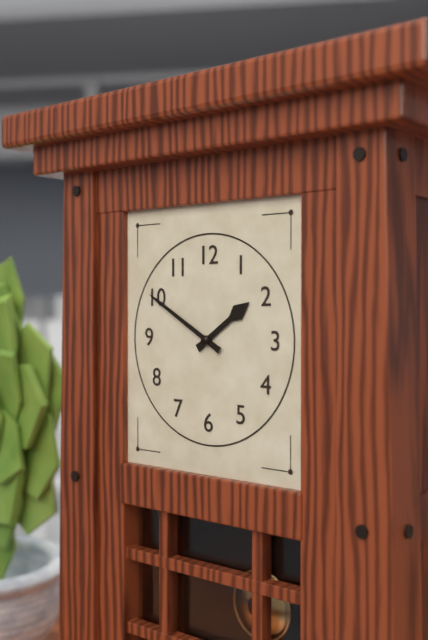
1:50
